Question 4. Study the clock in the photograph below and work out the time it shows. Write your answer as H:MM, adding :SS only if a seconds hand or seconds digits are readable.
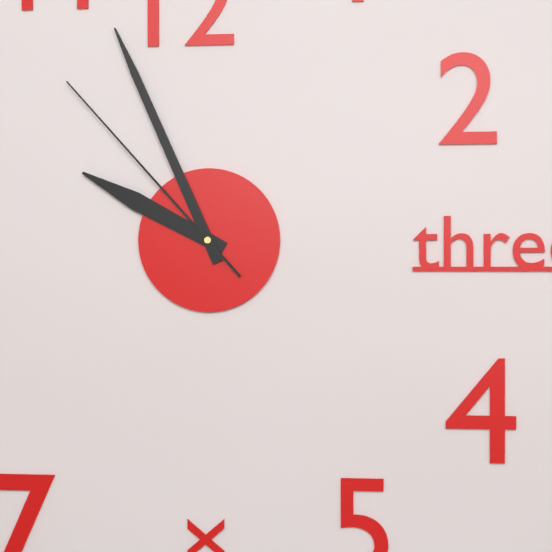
9:56:53
